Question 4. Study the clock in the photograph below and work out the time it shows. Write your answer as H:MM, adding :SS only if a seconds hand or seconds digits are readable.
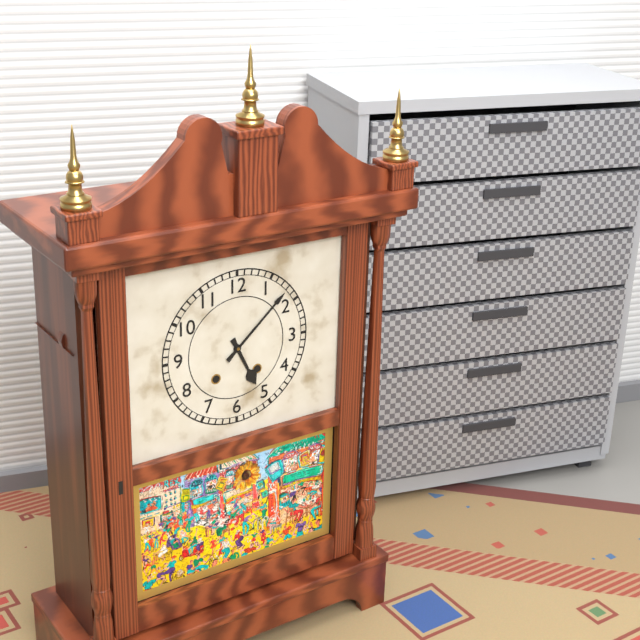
5:08
